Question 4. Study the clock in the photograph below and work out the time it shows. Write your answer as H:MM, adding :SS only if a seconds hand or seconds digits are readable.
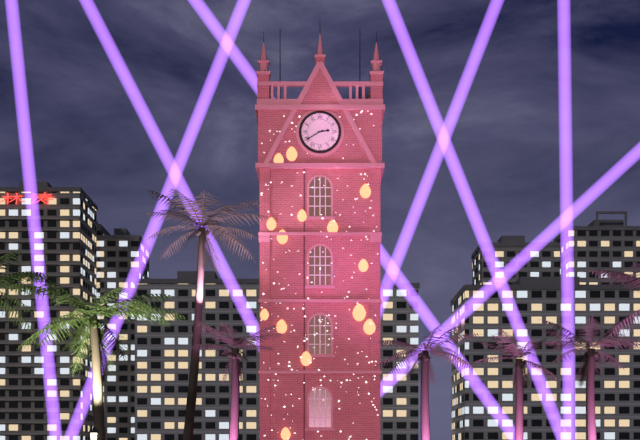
2:40
